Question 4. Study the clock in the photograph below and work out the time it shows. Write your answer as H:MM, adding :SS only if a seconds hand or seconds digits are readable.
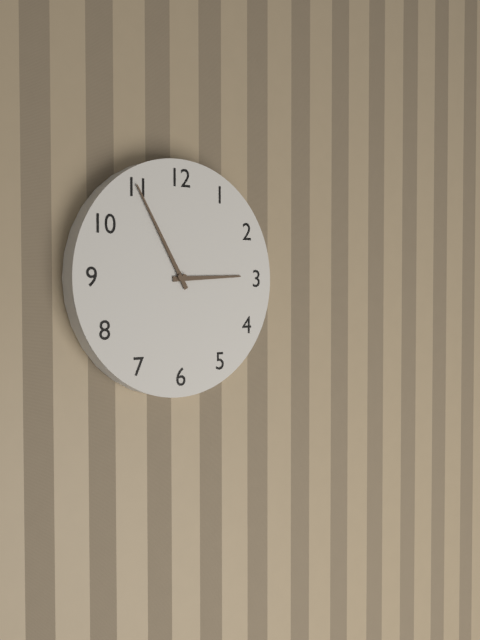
2:55
